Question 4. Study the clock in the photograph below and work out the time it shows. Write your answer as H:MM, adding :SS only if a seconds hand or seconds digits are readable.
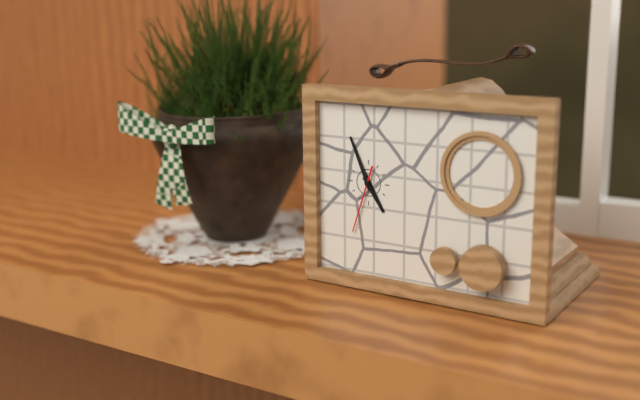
4:56:33
